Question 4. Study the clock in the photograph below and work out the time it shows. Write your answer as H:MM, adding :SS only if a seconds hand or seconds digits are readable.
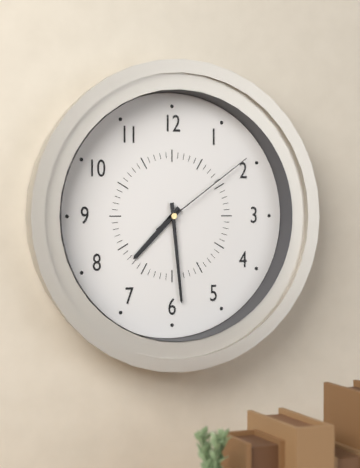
7:29:09
